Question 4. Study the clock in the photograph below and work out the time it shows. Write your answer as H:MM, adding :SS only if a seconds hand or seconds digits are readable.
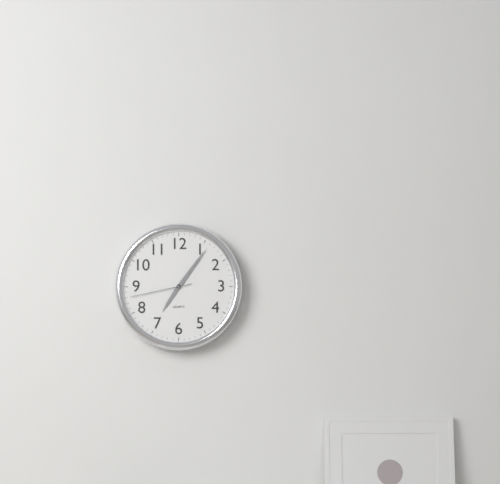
7:06:43
